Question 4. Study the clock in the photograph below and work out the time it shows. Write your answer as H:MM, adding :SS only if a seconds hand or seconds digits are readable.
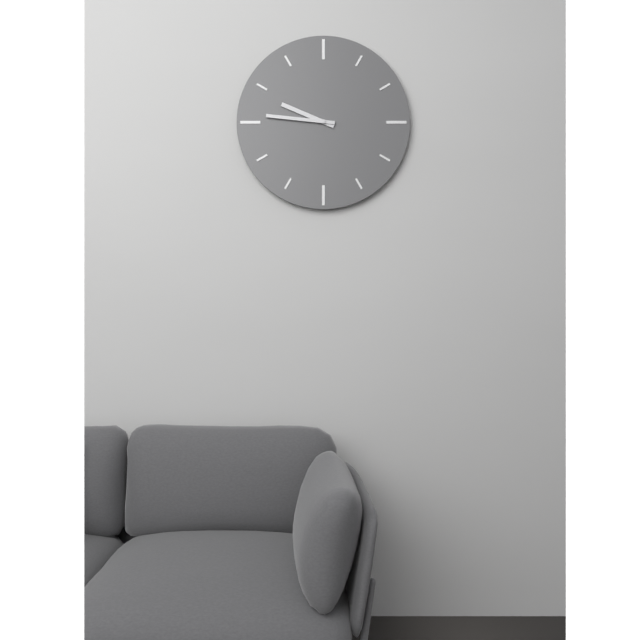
9:46
